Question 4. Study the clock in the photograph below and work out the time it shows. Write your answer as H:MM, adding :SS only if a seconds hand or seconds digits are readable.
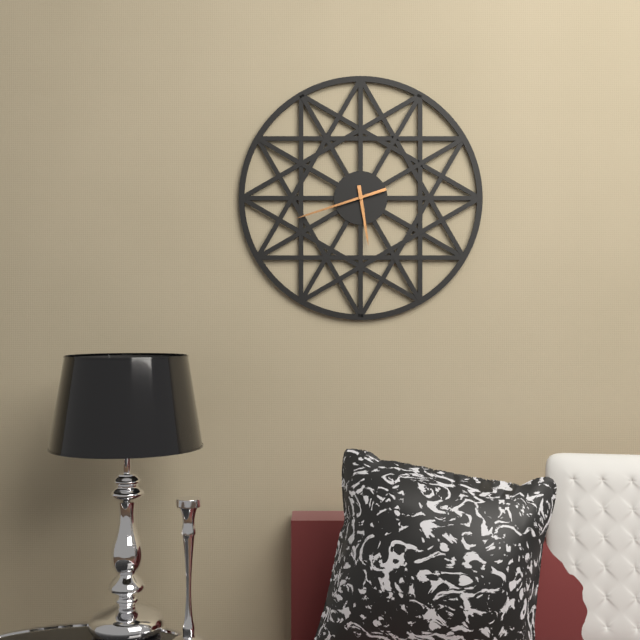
5:42
